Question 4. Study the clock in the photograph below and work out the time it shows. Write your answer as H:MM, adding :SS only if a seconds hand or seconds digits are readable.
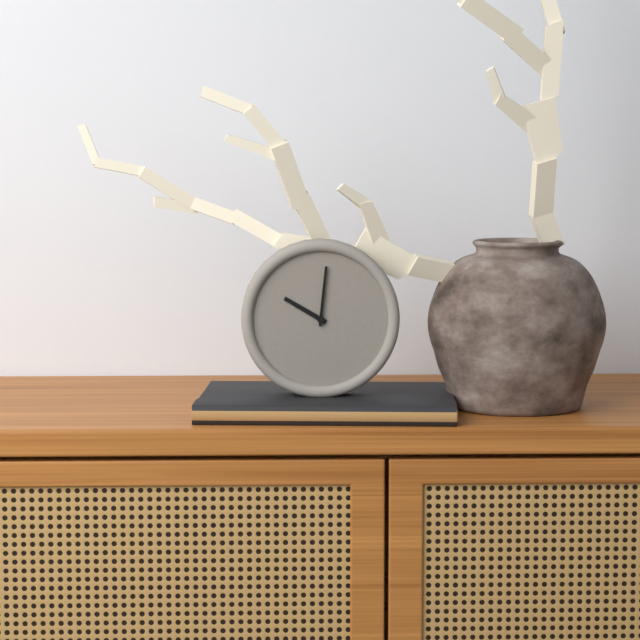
10:01
